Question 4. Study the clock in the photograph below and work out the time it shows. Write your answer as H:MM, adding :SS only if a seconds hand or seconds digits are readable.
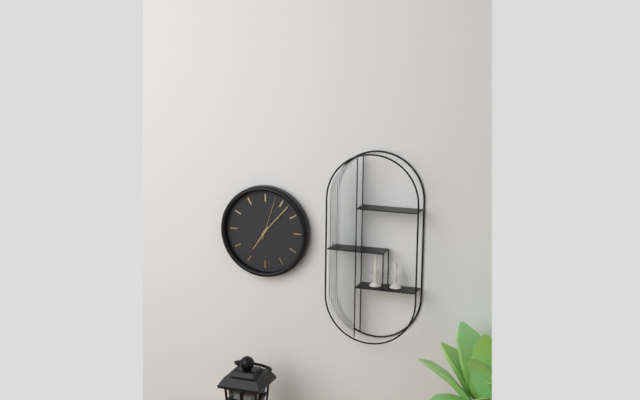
7:07
